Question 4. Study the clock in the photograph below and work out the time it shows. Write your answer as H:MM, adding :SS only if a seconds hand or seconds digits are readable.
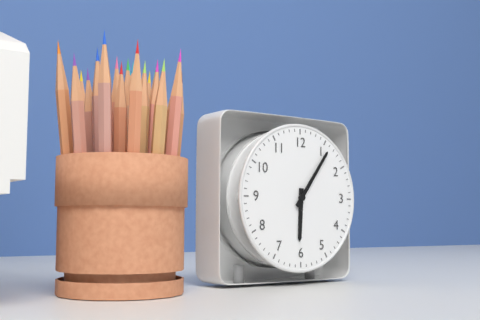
6:06
